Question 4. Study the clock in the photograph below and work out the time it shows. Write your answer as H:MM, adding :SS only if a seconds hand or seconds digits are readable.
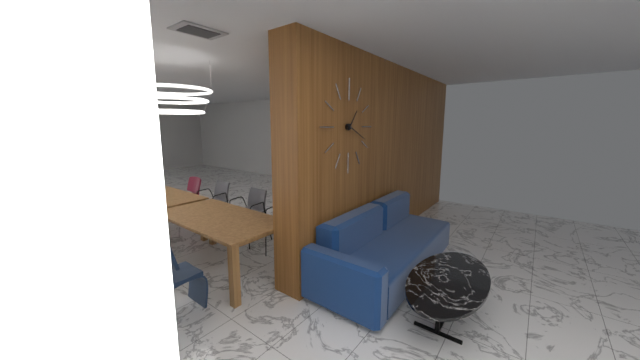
1:19
